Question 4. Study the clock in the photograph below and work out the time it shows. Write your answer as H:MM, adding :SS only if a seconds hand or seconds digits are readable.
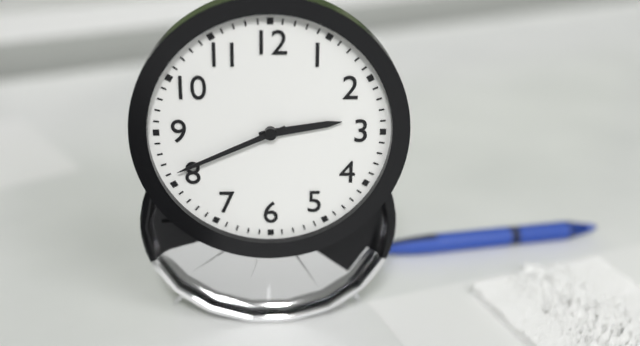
2:41
